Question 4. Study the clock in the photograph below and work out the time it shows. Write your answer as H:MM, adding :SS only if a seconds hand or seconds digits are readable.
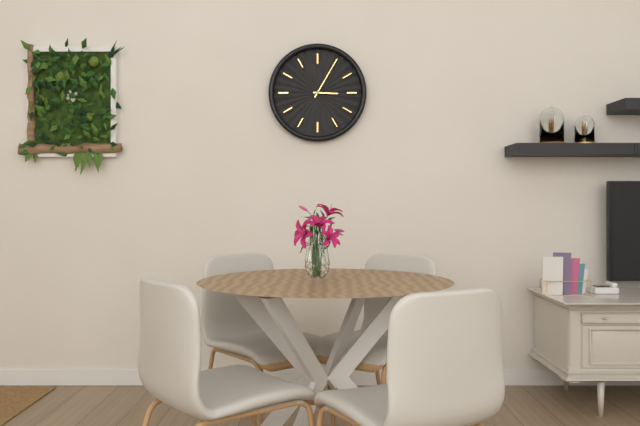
3:05
